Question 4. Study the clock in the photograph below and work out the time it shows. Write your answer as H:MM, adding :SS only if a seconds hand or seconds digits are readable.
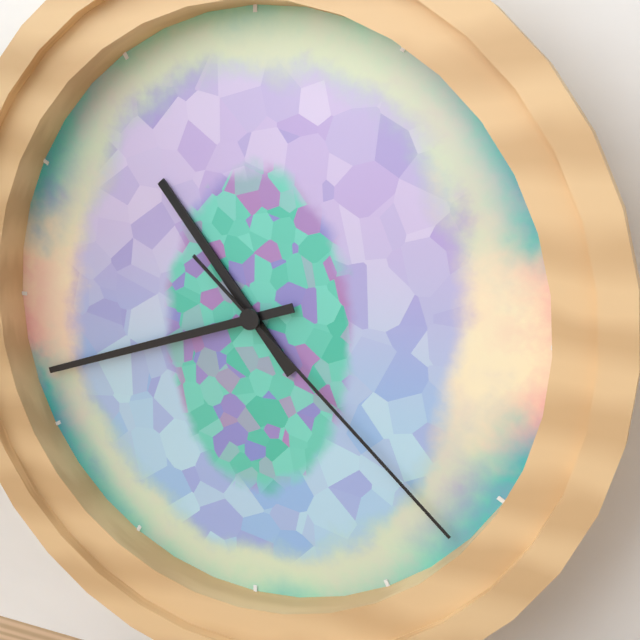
10:42:22
